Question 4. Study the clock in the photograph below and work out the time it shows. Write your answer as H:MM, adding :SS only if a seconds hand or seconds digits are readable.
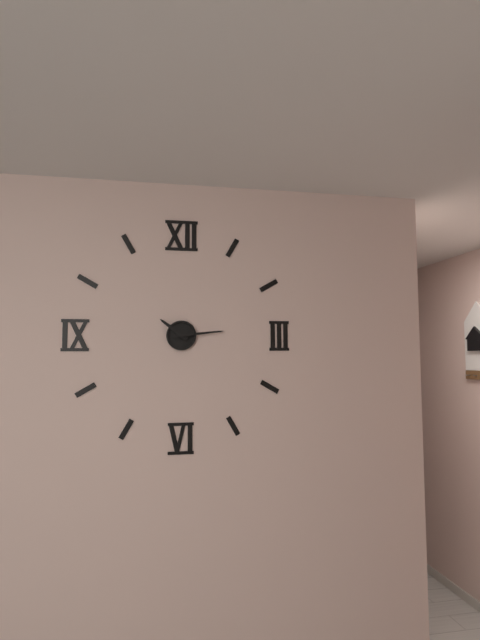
10:14
